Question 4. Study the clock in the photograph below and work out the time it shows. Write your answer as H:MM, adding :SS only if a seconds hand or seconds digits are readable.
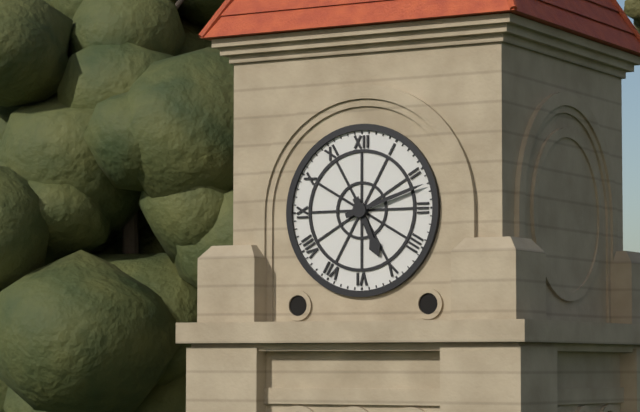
5:12
